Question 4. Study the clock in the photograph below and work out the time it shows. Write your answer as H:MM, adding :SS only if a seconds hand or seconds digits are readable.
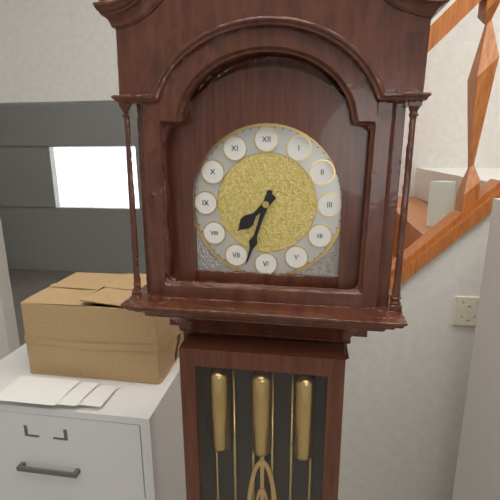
7:33
